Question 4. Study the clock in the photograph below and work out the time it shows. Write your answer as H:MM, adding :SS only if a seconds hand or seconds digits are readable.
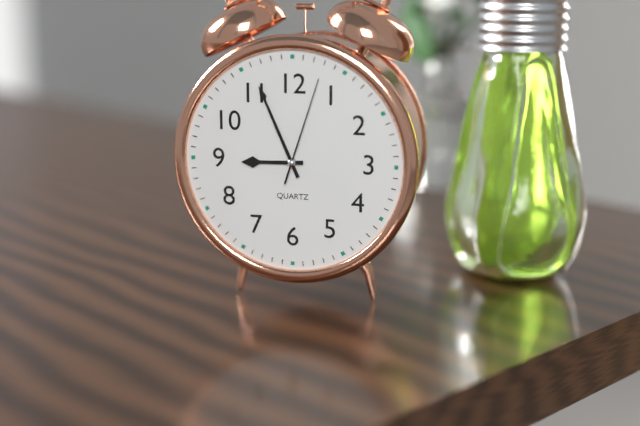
8:56:03
